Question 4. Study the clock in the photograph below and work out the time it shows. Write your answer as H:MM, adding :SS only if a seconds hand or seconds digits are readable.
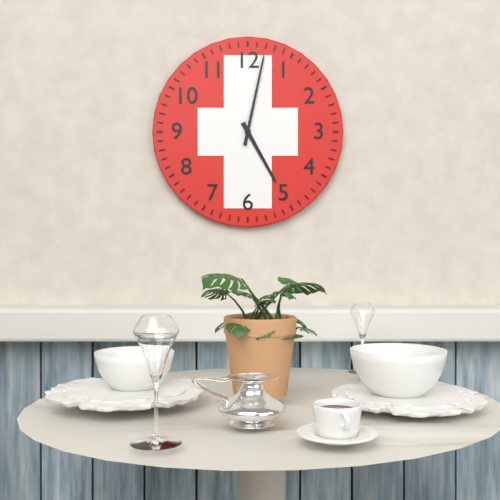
5:02
